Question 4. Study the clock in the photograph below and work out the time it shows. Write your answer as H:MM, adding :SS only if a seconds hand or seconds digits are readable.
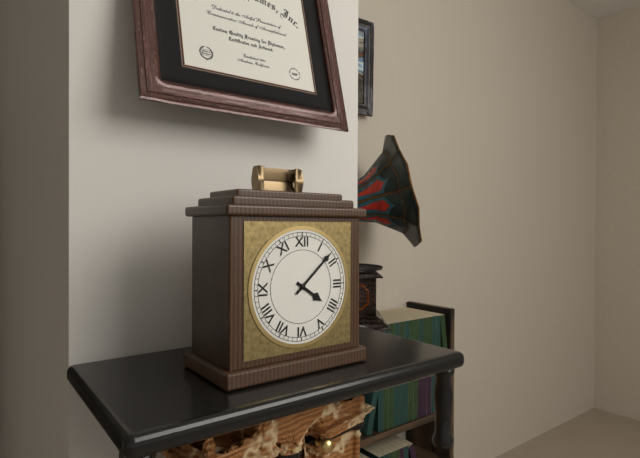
4:08
